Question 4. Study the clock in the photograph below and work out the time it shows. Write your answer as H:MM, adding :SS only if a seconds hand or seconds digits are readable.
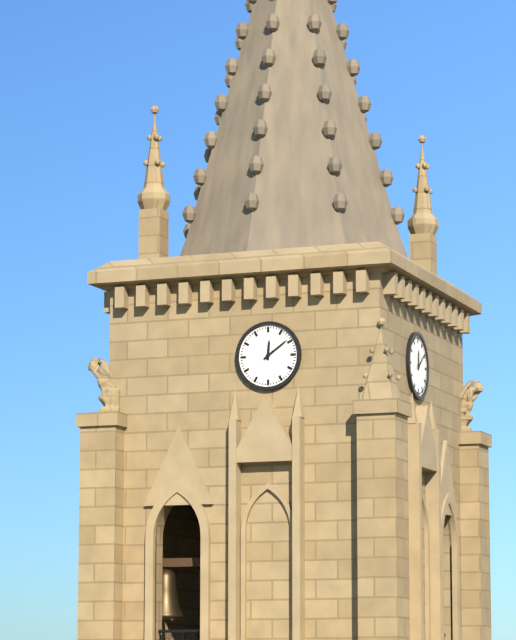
12:09
